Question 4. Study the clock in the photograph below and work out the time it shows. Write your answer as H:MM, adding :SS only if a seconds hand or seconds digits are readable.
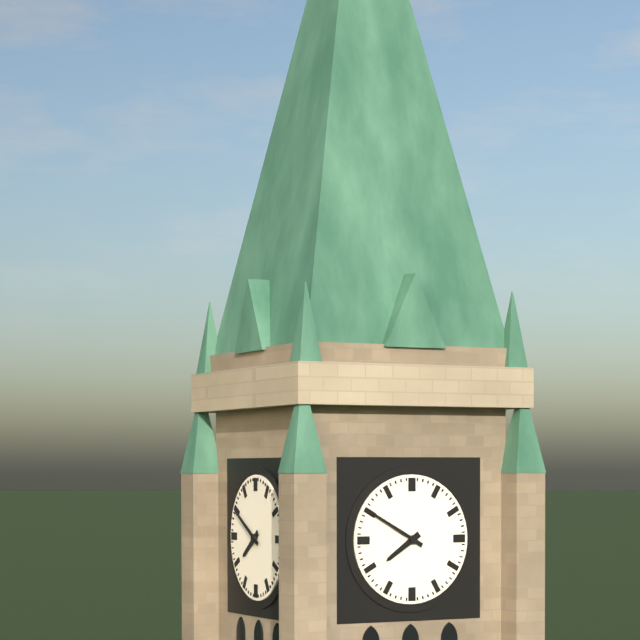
7:50
